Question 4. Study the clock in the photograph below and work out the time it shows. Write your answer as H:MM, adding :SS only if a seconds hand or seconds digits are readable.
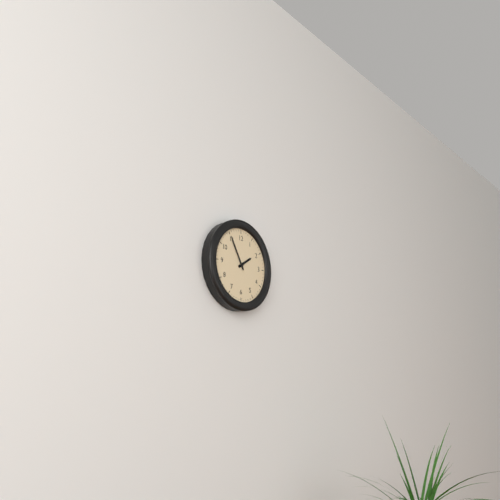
1:55
